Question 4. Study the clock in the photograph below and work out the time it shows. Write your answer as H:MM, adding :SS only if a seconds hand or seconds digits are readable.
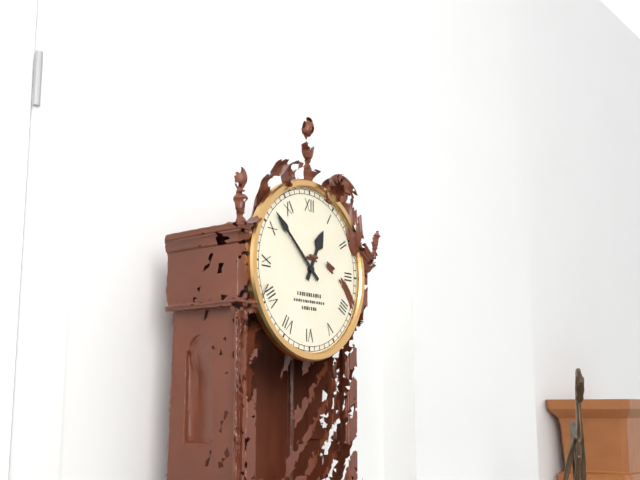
12:52
